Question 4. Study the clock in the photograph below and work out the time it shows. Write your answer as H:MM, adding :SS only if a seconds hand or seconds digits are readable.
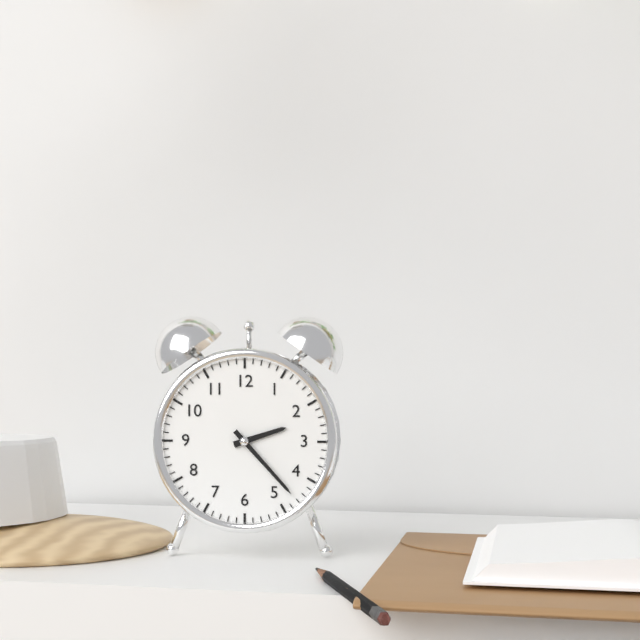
2:23
